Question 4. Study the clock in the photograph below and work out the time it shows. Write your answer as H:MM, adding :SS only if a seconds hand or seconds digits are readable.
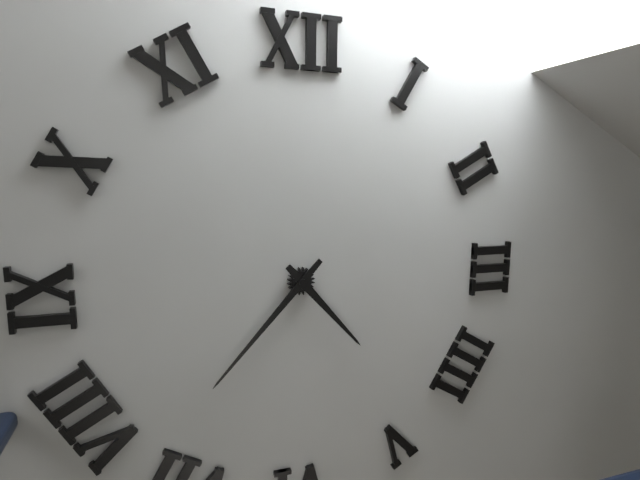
4:37
